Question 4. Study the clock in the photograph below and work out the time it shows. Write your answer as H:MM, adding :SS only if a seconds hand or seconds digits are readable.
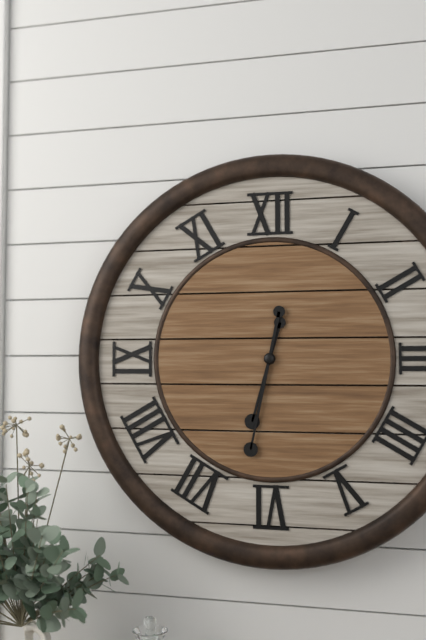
6:32
